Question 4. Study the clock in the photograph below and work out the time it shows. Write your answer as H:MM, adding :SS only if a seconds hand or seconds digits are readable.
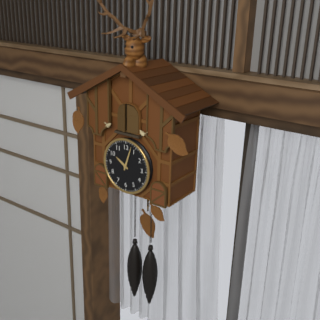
10:03
